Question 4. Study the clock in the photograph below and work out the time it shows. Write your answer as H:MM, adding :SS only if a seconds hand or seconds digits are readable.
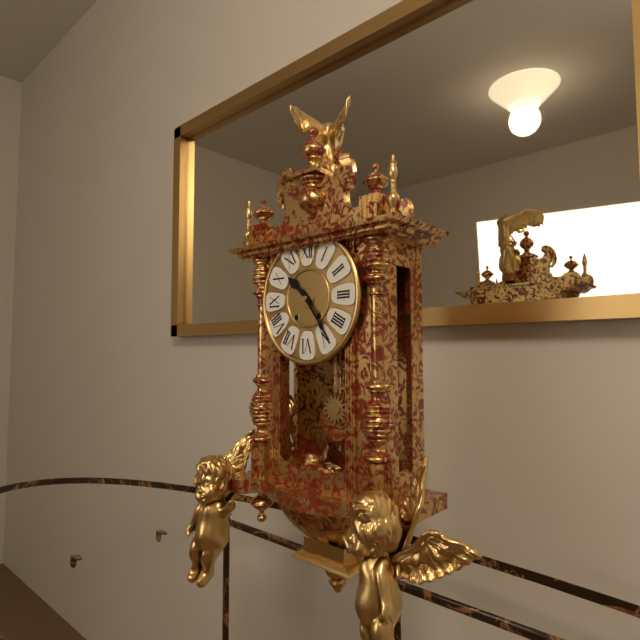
10:24
